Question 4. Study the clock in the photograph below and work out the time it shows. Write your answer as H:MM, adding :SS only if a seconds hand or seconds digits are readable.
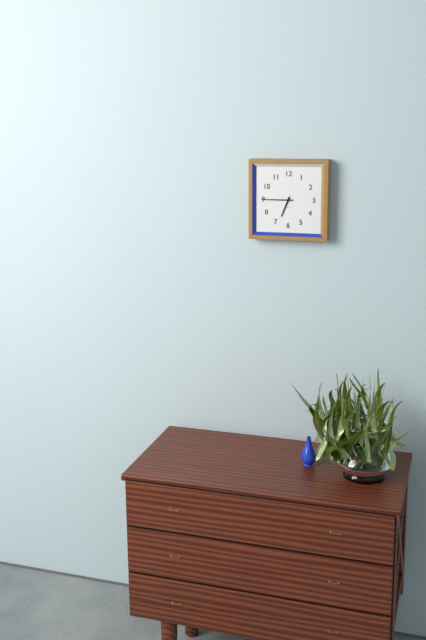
6:45
